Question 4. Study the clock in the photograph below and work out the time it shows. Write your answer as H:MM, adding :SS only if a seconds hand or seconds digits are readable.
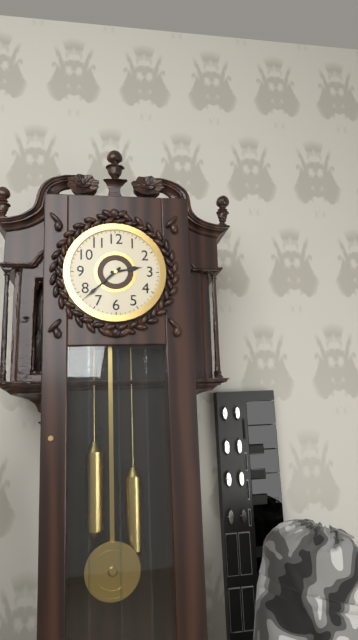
2:38
